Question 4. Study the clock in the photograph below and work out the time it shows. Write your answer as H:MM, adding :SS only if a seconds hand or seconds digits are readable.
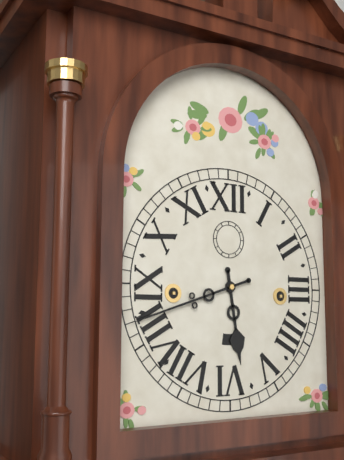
5:42
